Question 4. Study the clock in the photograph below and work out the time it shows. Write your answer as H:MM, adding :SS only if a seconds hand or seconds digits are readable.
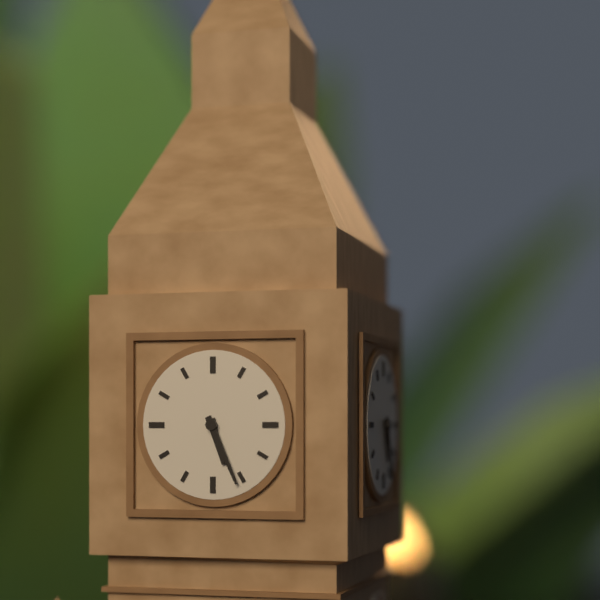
5:26
